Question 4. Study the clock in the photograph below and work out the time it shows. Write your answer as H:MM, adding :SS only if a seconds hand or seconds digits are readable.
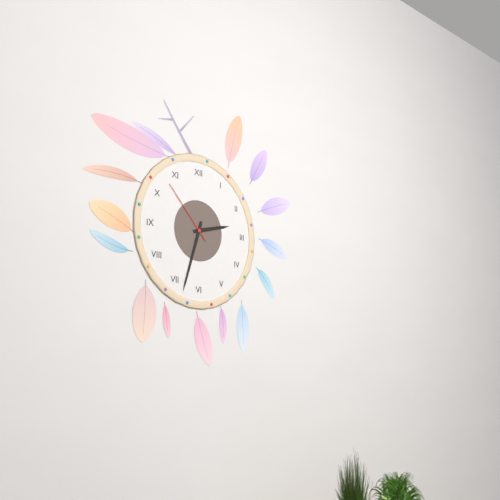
2:33:53
